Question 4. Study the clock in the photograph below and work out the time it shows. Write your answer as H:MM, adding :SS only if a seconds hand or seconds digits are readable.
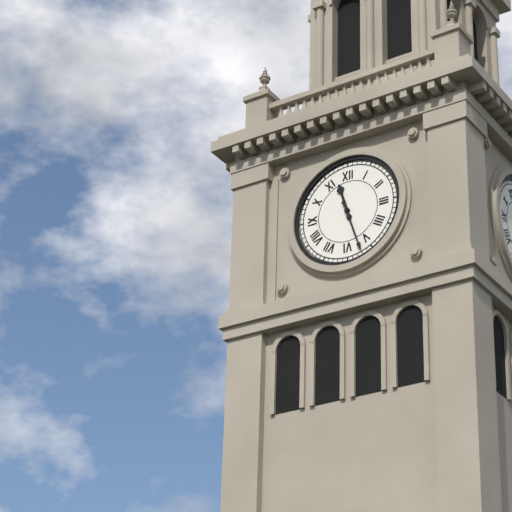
11:27
